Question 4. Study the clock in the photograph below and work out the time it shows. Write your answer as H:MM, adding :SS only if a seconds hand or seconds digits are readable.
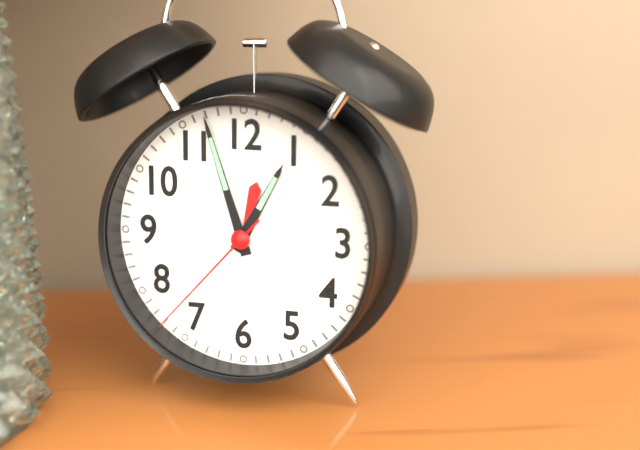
12:57:37
